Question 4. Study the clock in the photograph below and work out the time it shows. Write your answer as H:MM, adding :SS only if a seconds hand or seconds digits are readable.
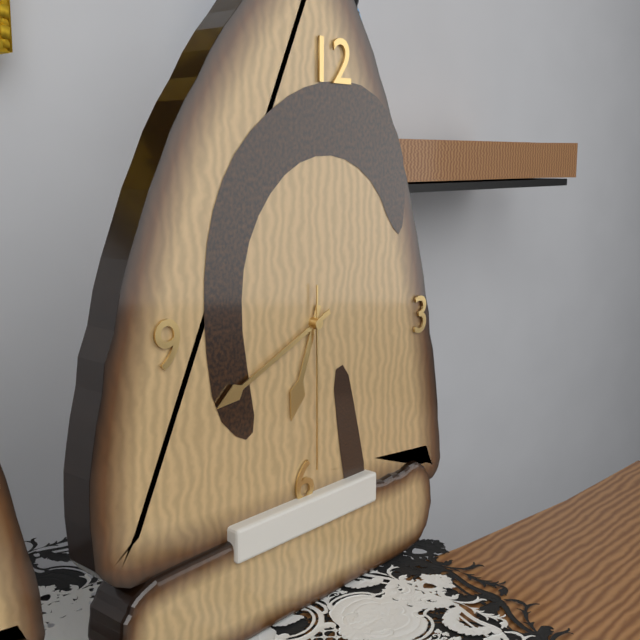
6:41:30
